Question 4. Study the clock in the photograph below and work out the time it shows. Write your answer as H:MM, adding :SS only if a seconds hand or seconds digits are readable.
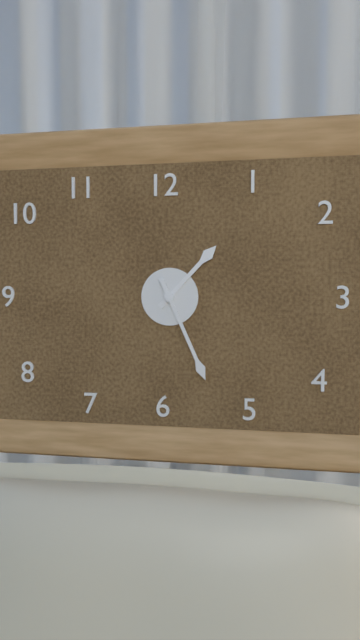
1:26
